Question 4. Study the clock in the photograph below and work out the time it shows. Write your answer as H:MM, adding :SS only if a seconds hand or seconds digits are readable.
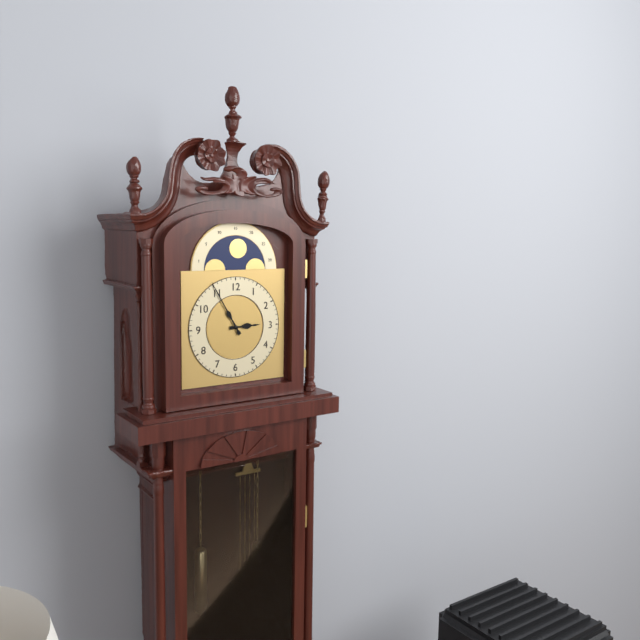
2:55
